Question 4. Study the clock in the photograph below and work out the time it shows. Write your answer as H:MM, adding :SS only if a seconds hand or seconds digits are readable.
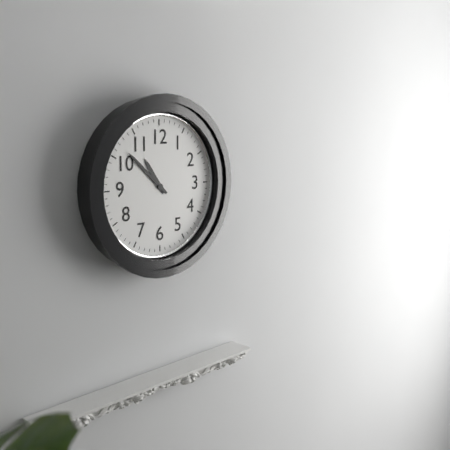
10:52
